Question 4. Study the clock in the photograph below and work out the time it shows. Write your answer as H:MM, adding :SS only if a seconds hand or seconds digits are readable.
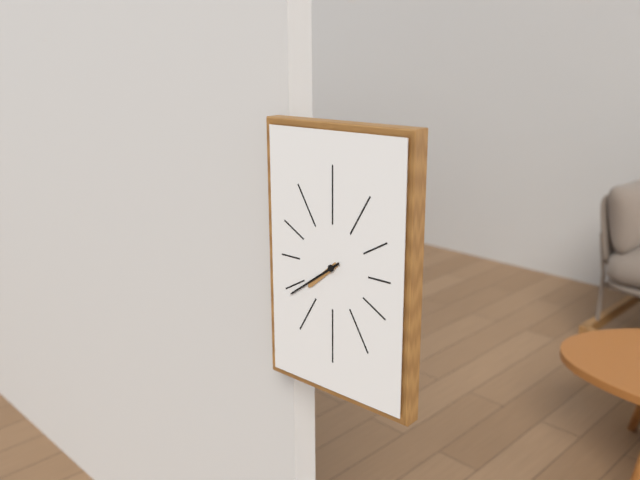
7:39
